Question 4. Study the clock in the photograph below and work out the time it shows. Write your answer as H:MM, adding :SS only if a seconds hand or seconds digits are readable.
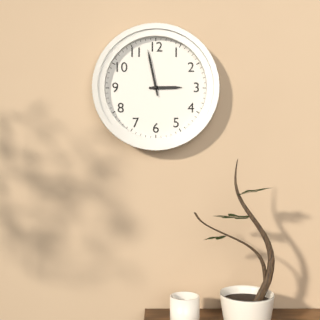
2:58
